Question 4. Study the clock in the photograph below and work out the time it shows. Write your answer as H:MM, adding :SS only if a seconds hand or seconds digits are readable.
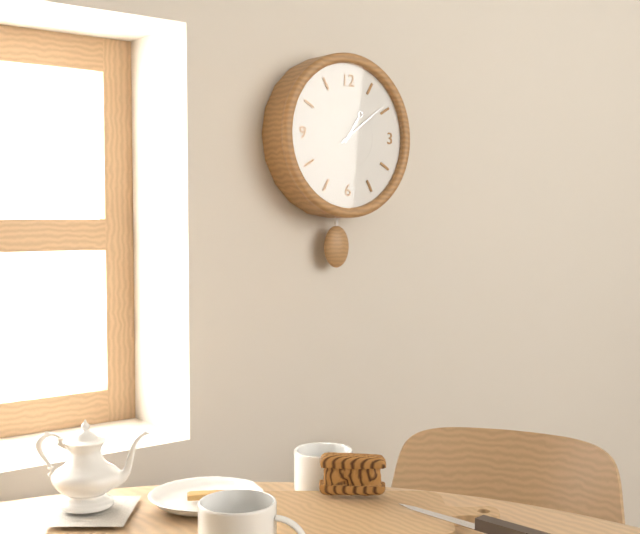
1:09
